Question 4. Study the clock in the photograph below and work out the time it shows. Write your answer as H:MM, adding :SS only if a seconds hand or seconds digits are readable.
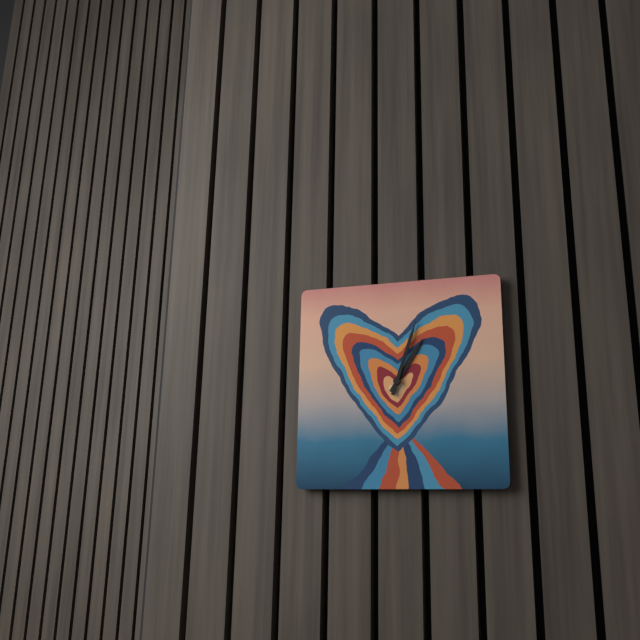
1:03
